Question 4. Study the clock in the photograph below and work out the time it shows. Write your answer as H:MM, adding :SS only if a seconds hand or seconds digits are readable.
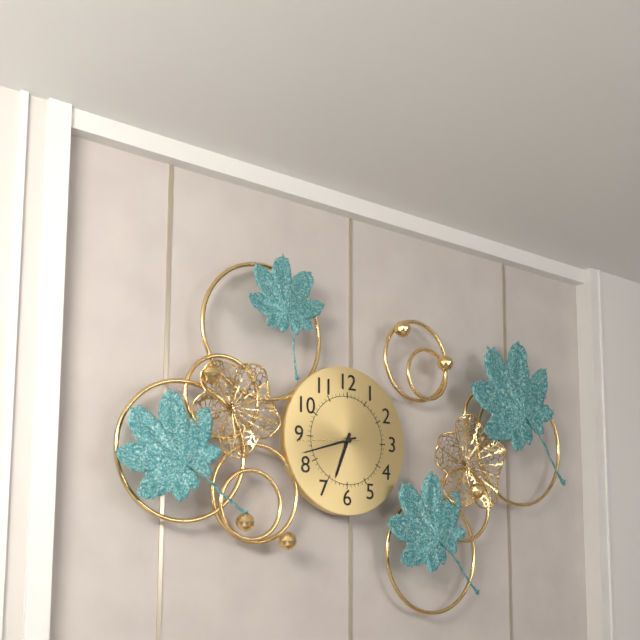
6:42:44
